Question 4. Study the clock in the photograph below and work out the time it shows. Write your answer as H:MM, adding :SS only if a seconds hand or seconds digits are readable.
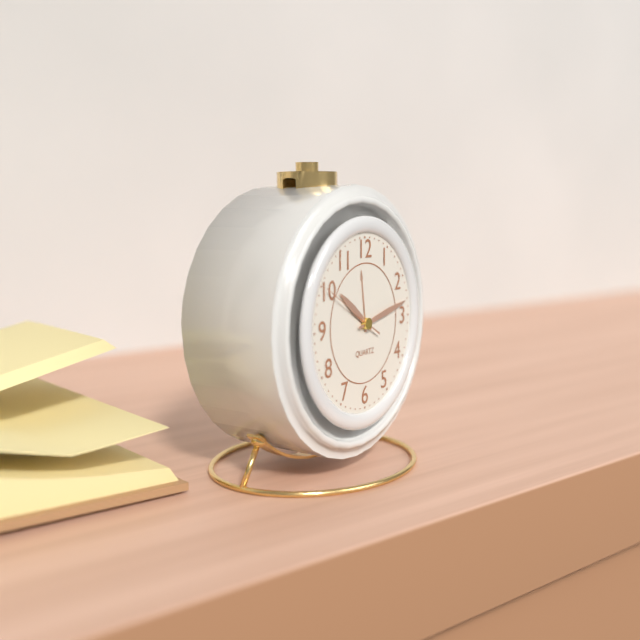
10:13:50
